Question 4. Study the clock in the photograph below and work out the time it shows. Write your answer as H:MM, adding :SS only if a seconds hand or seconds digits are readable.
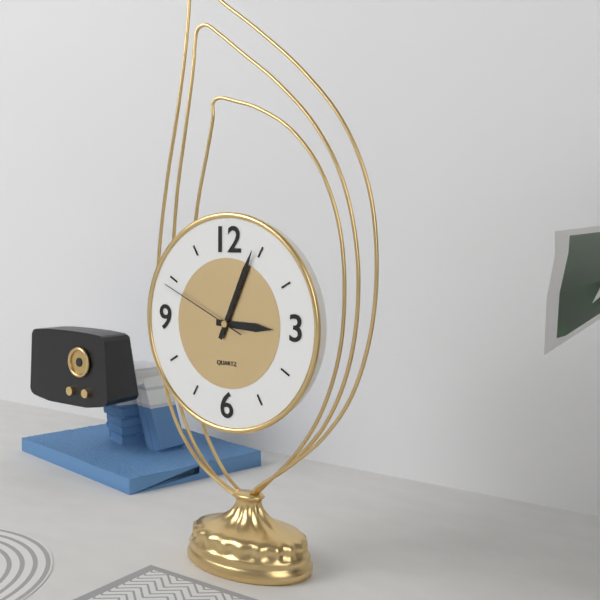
3:04:49
